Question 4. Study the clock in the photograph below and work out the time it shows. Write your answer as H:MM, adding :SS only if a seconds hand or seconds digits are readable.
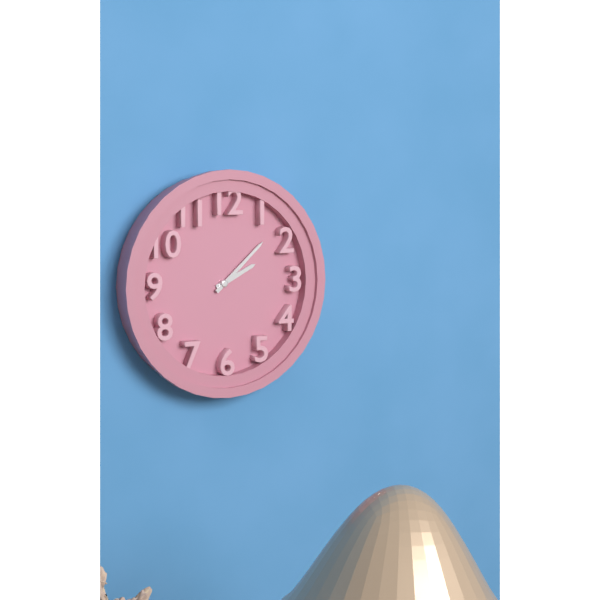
2:08
